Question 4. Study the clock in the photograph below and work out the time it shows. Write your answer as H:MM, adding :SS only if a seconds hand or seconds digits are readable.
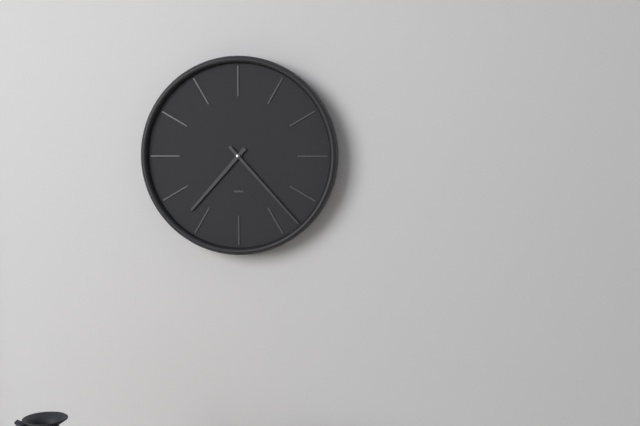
7:23
